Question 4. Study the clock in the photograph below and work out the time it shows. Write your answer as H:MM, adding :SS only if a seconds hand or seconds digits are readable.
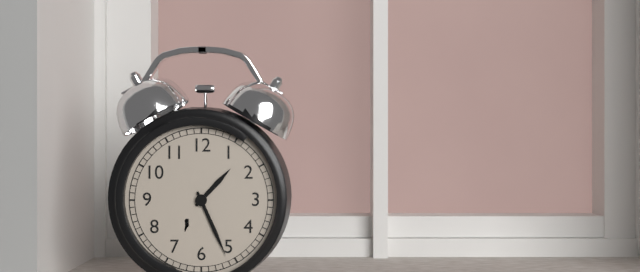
1:26
